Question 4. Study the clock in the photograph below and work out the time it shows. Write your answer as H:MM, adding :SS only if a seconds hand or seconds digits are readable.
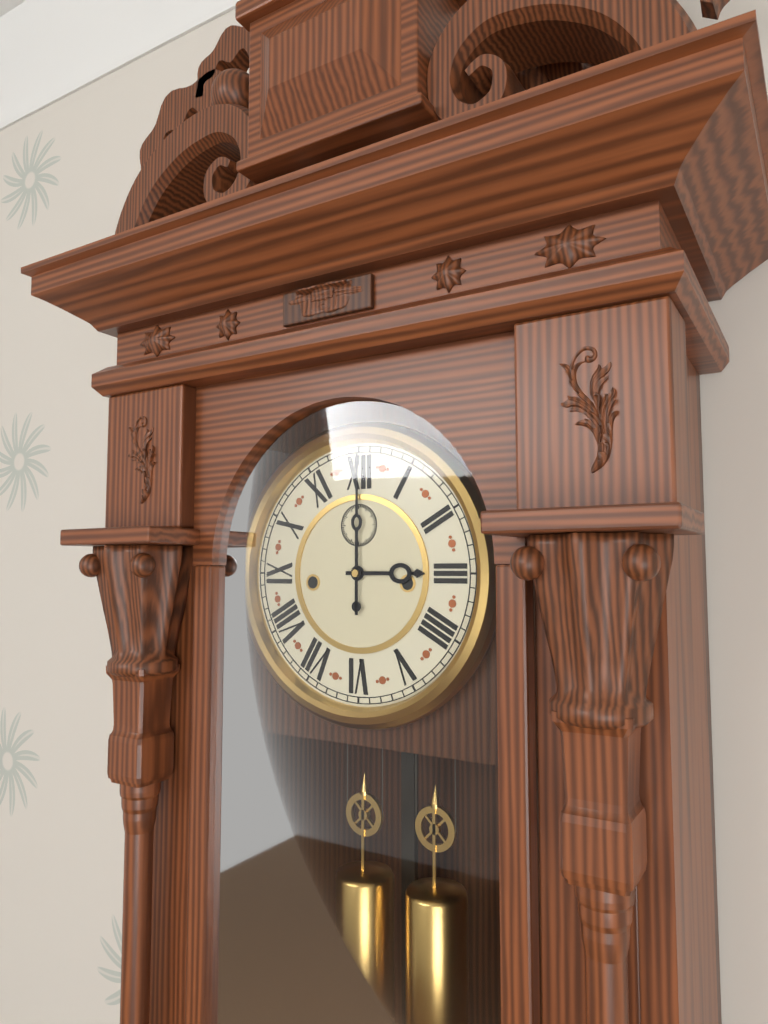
3:00
